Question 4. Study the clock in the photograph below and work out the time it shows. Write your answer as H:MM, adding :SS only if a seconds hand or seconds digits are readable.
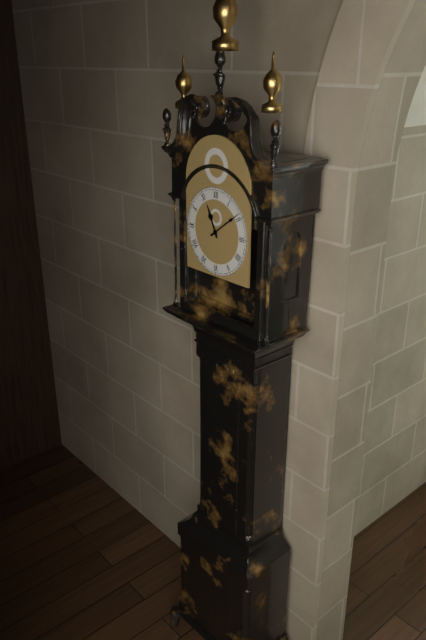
11:09
